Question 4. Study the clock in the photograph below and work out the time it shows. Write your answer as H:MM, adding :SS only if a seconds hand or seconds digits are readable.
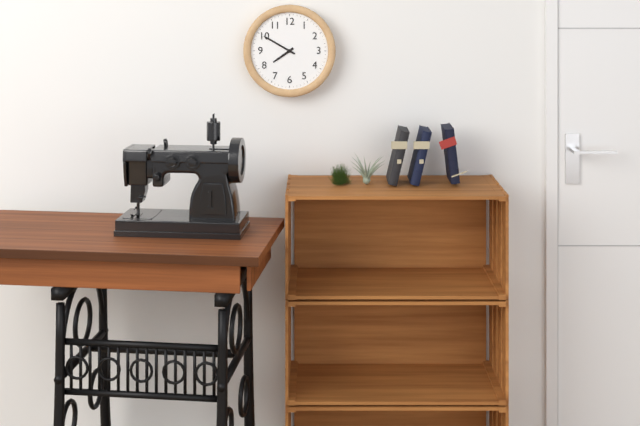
7:50
